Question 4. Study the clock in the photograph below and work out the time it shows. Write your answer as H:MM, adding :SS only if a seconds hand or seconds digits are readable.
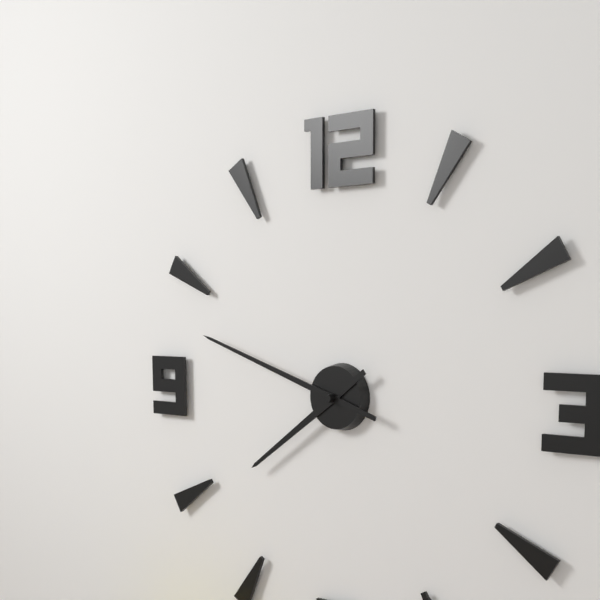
7:48
